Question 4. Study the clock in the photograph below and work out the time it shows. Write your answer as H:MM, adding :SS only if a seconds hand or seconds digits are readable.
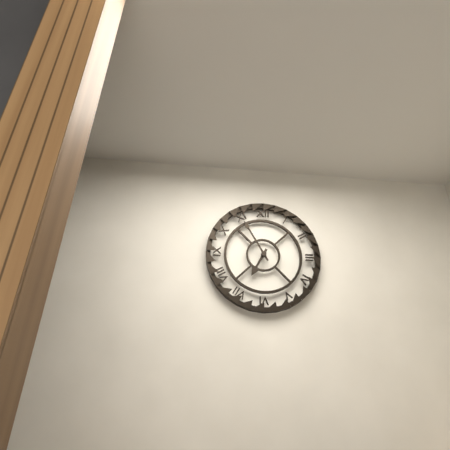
6:55
